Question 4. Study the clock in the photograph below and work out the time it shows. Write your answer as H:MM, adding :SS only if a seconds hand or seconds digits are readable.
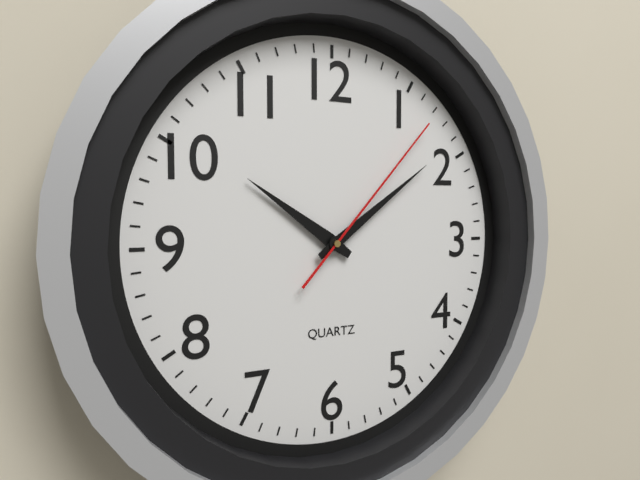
10:09:07
